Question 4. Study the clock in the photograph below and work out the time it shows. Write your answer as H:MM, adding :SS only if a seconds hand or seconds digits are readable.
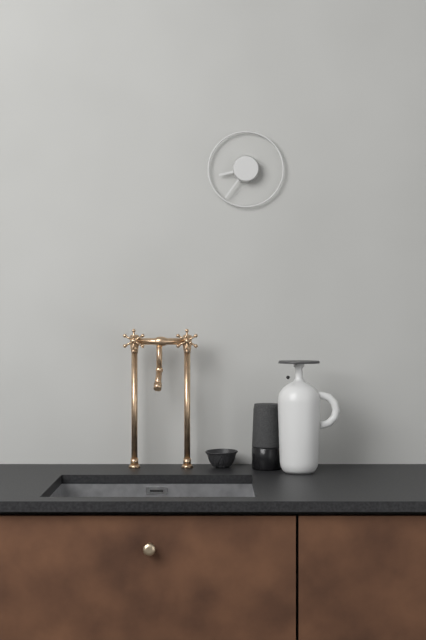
8:36
